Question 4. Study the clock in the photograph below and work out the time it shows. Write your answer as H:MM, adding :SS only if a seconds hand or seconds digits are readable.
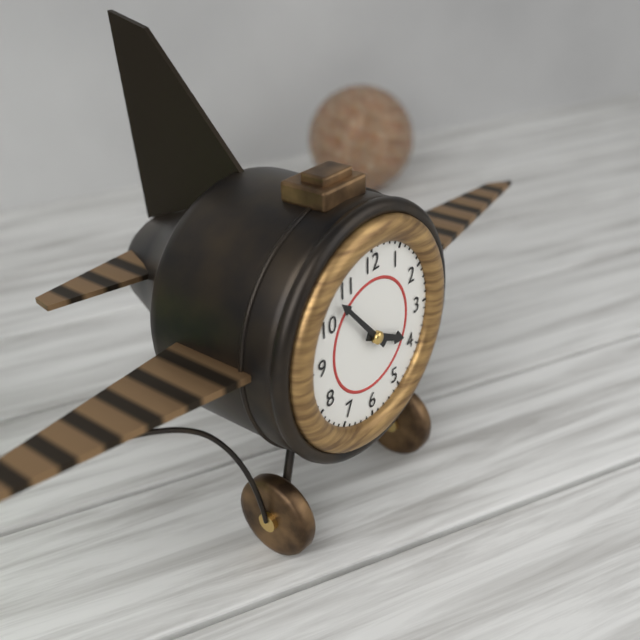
3:53
